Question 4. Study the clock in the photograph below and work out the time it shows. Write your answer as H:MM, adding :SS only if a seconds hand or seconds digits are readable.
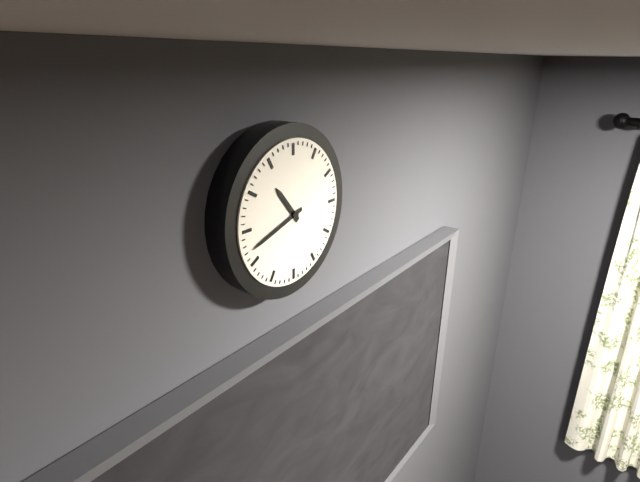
10:42
